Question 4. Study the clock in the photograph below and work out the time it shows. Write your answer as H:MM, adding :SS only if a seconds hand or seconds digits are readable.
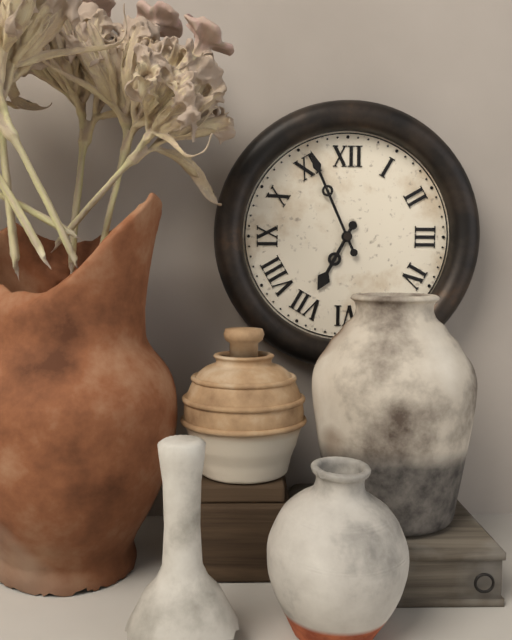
6:56
